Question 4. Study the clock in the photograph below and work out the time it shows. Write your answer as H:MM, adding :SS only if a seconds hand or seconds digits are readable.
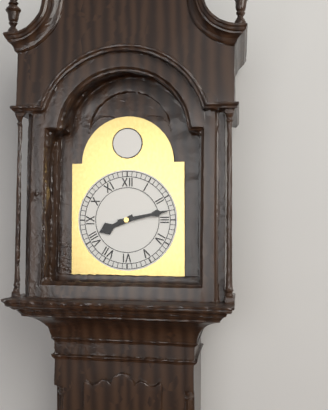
8:13
